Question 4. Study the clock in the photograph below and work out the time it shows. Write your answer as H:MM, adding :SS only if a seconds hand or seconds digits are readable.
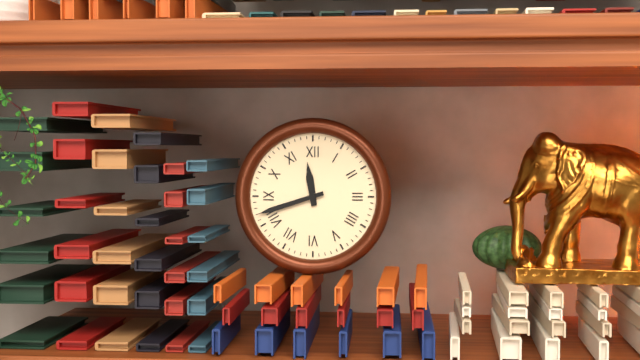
11:42
